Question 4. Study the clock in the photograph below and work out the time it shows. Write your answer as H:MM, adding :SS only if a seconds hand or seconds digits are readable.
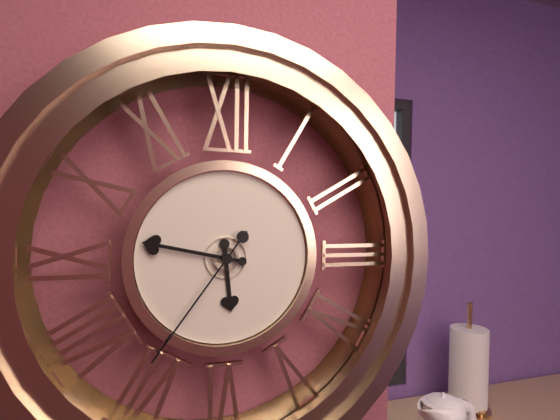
5:47:36
